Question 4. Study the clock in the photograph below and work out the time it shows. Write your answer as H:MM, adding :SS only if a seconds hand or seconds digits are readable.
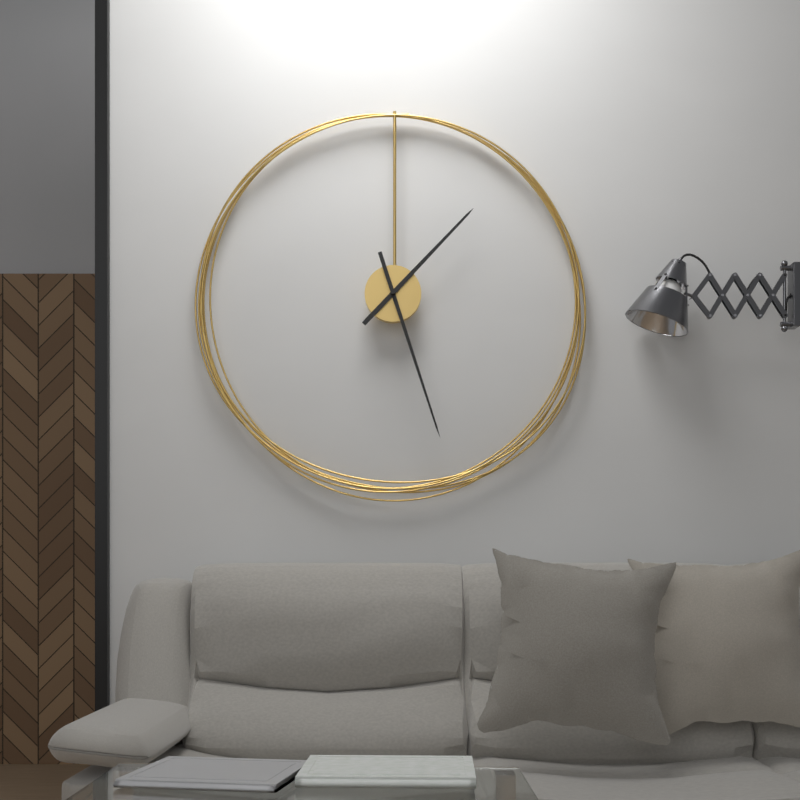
1:27
